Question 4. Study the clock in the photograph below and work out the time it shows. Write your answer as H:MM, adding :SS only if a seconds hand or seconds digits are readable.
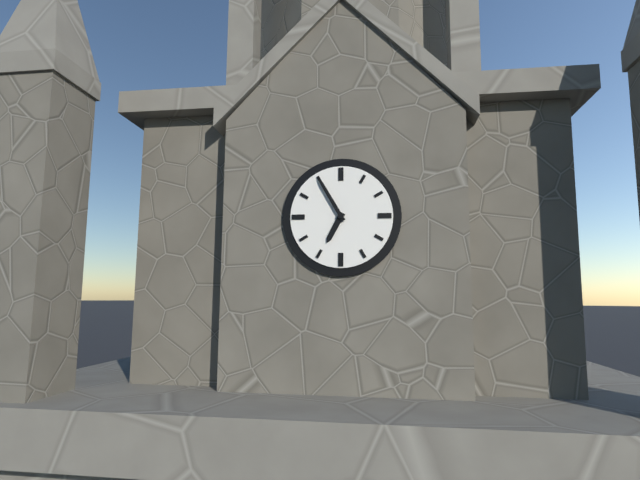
6:55
